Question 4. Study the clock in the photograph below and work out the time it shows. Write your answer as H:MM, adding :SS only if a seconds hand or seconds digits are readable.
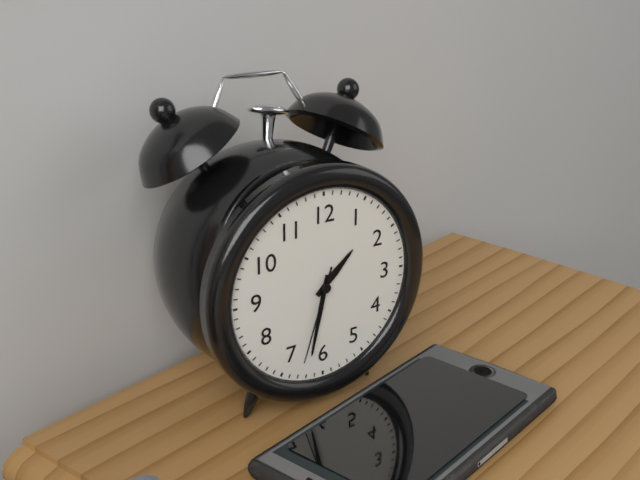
1:32:33
